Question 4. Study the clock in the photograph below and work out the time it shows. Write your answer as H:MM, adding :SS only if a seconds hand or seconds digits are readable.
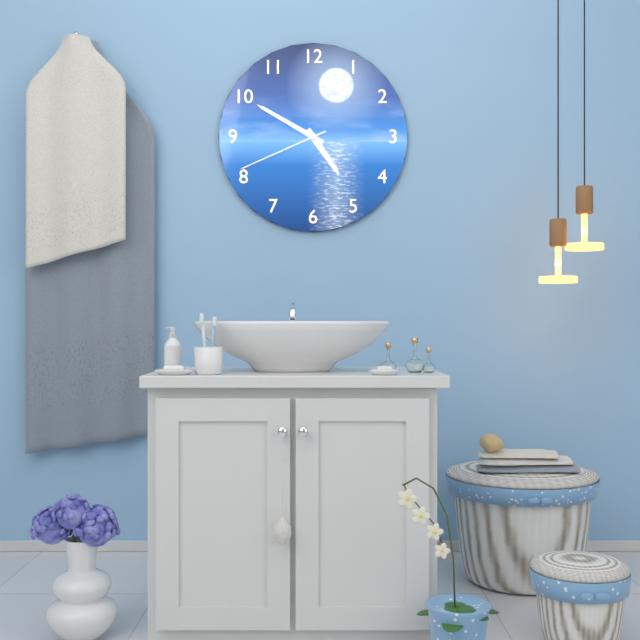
4:50:41
